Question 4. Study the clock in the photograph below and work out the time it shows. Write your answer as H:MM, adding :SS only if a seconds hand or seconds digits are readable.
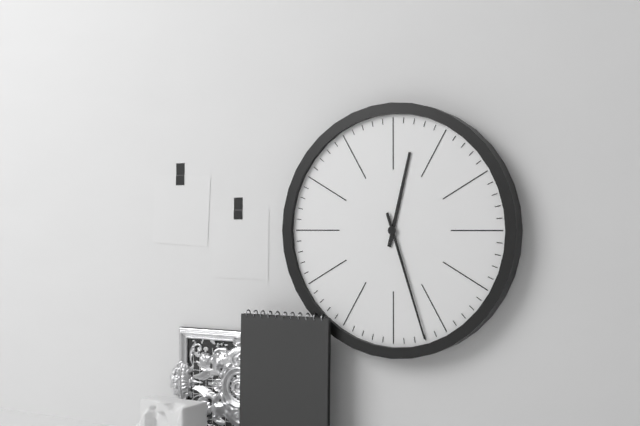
12:27
